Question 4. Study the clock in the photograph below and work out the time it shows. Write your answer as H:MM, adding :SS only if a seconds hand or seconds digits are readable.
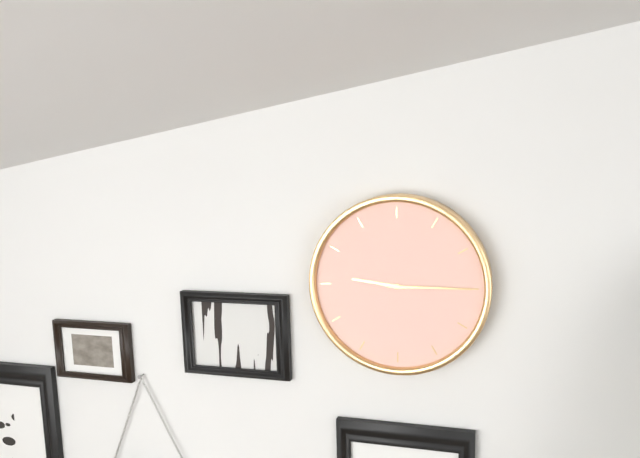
9:15
